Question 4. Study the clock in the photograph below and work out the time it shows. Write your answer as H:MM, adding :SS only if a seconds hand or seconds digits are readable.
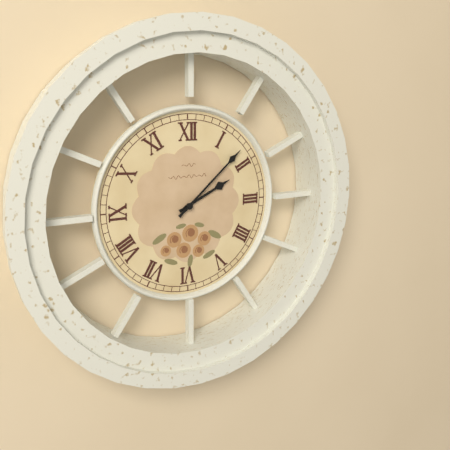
2:08
